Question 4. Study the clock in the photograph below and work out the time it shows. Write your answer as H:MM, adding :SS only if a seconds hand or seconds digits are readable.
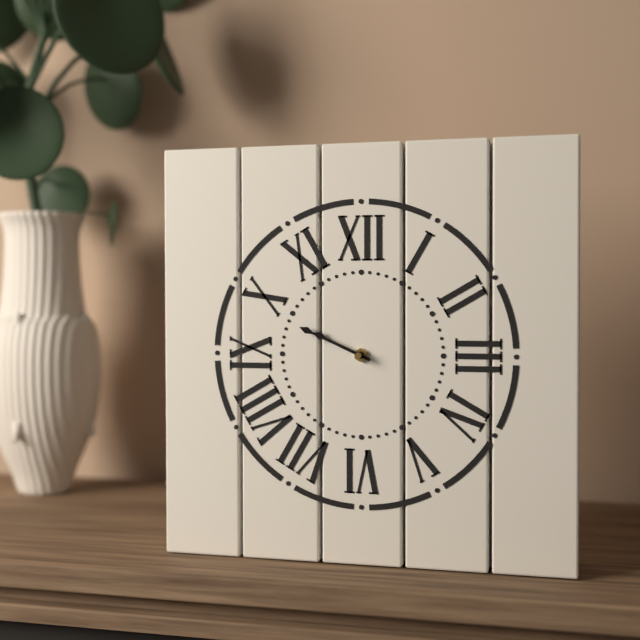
9:49
